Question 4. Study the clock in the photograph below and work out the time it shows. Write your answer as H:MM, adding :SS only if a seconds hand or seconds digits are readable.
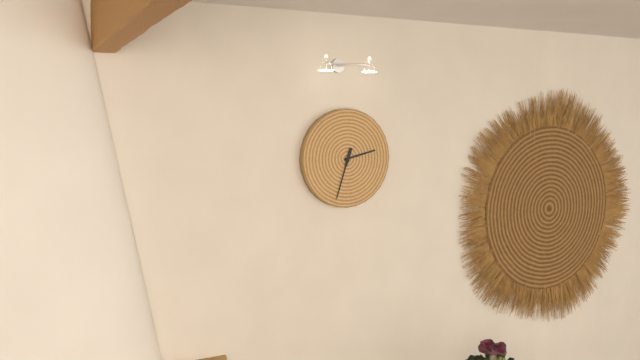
2:33
